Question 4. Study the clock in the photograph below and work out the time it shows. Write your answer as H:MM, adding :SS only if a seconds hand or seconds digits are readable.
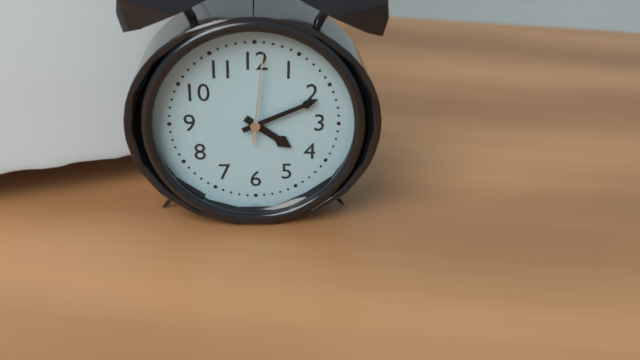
4:11:01
